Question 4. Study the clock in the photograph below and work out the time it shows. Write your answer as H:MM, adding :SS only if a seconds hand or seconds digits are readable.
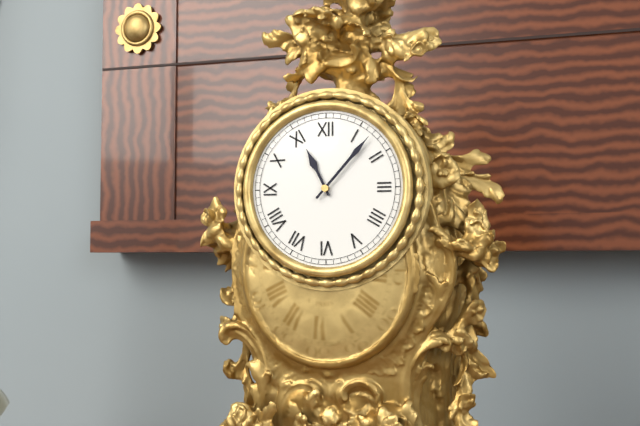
11:07
